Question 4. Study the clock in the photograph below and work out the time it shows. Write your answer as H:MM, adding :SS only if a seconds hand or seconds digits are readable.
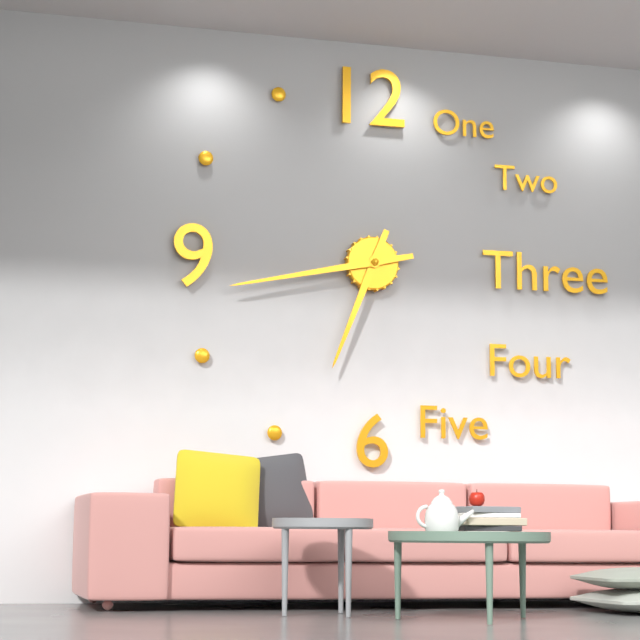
6:43
